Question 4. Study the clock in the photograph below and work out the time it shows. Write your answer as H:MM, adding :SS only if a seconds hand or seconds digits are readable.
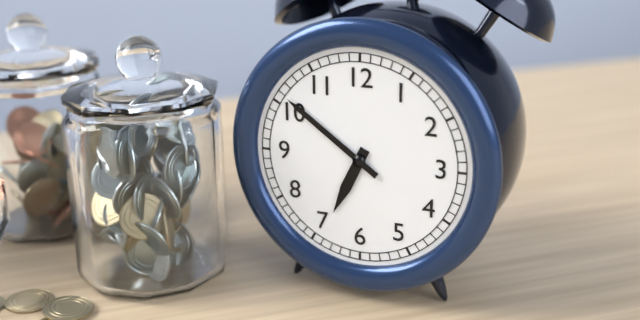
6:51
